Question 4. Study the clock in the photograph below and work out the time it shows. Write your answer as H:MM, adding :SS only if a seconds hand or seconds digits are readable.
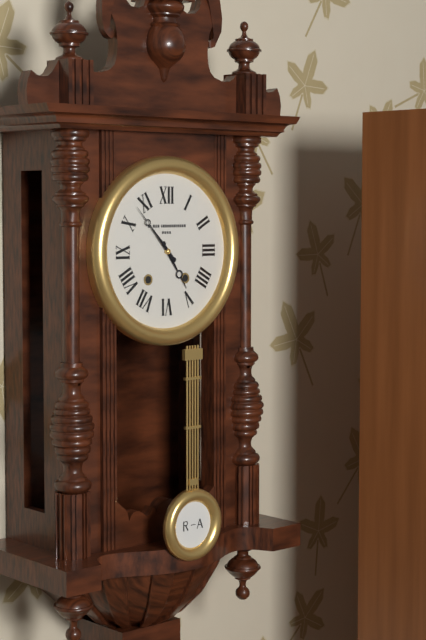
4:53
